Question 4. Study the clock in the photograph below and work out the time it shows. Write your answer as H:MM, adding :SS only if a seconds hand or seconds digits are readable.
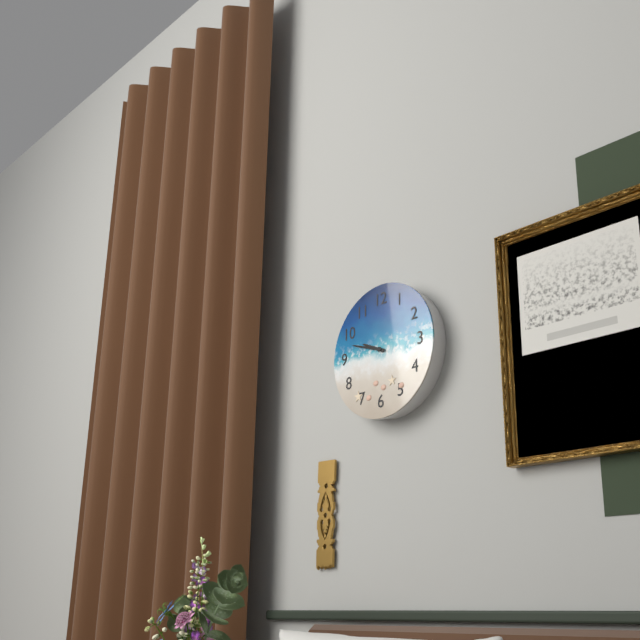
9:48
